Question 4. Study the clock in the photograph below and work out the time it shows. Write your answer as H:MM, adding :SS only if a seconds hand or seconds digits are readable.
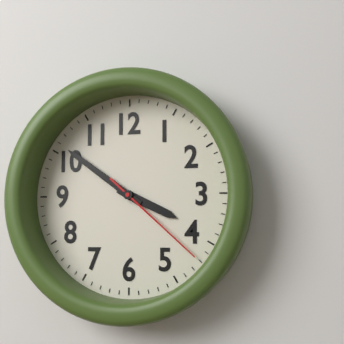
3:51:22
